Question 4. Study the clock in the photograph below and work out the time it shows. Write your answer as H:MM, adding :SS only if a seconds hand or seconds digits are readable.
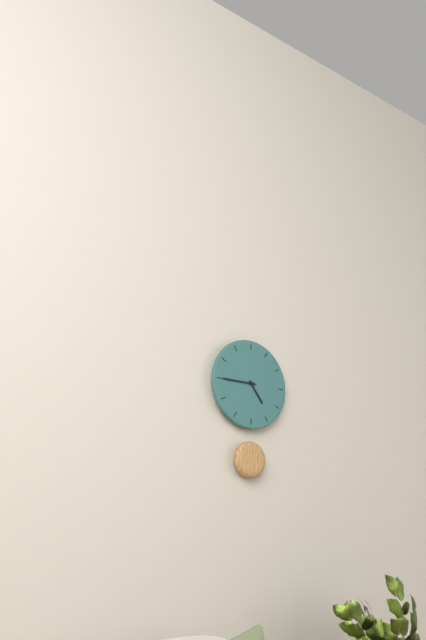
4:45
